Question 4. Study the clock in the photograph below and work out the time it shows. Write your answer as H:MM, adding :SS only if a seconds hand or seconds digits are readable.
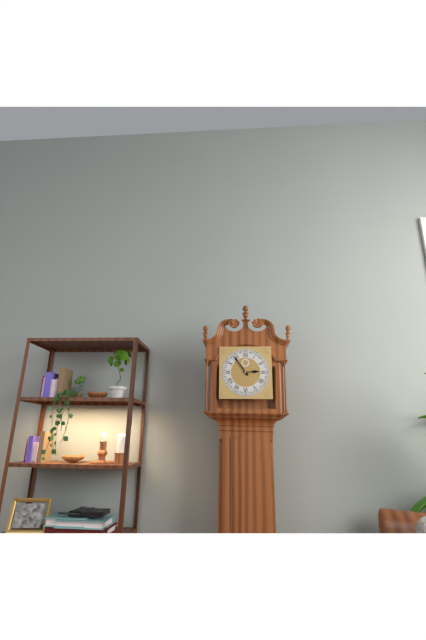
2:54
